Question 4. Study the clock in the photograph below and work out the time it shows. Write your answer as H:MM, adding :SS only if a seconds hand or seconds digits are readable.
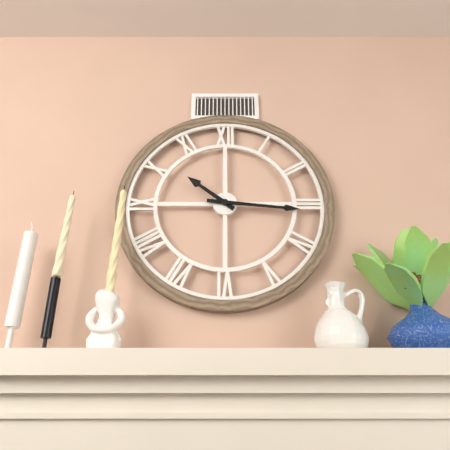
10:16
